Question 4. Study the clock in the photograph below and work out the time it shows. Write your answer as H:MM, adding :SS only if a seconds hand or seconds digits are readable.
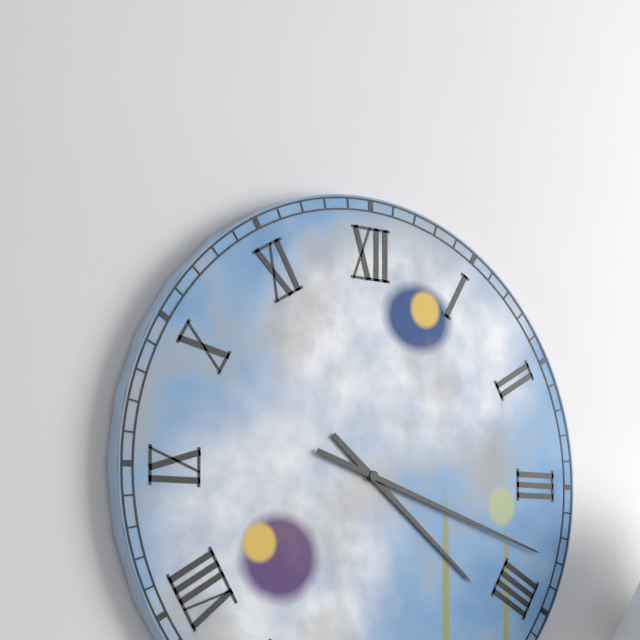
4:18
